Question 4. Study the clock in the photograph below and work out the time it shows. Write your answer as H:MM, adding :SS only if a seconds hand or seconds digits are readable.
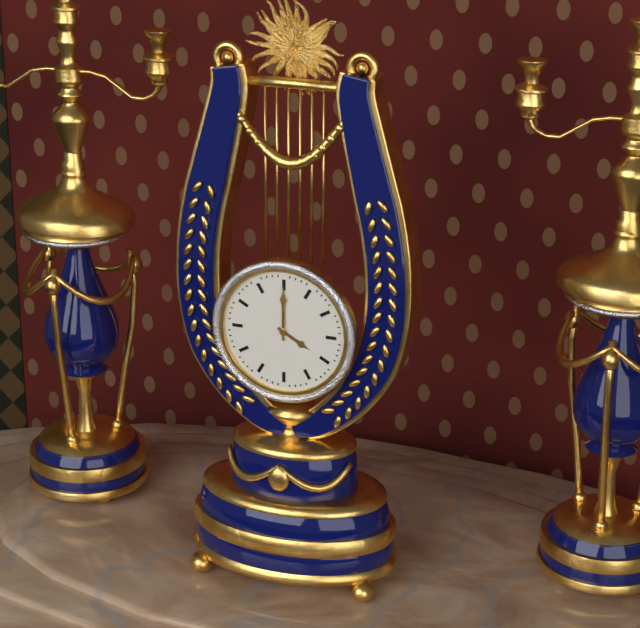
4:00
